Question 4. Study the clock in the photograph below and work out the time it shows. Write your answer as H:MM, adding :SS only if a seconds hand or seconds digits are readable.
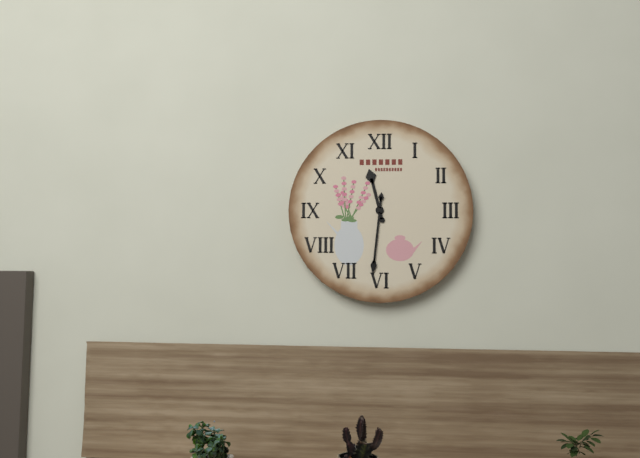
11:31
